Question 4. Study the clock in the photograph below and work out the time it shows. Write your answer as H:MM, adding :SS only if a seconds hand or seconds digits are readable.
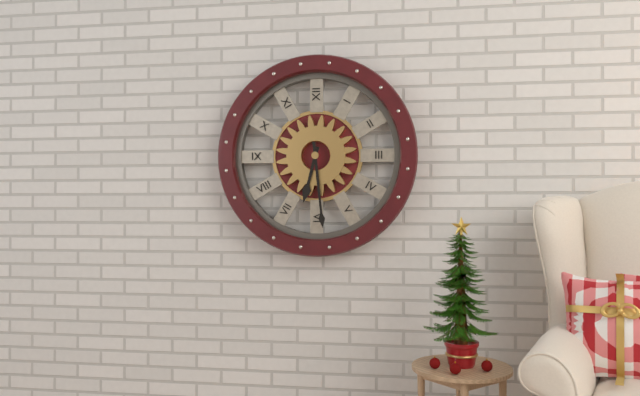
6:29
